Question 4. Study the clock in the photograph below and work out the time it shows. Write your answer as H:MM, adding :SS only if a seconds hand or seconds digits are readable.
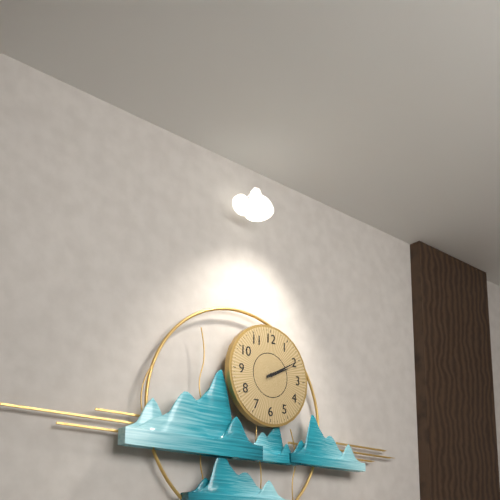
2:10
